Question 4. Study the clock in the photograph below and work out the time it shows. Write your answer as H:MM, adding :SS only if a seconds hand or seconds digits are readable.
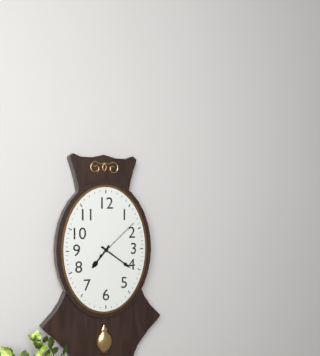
7:21
